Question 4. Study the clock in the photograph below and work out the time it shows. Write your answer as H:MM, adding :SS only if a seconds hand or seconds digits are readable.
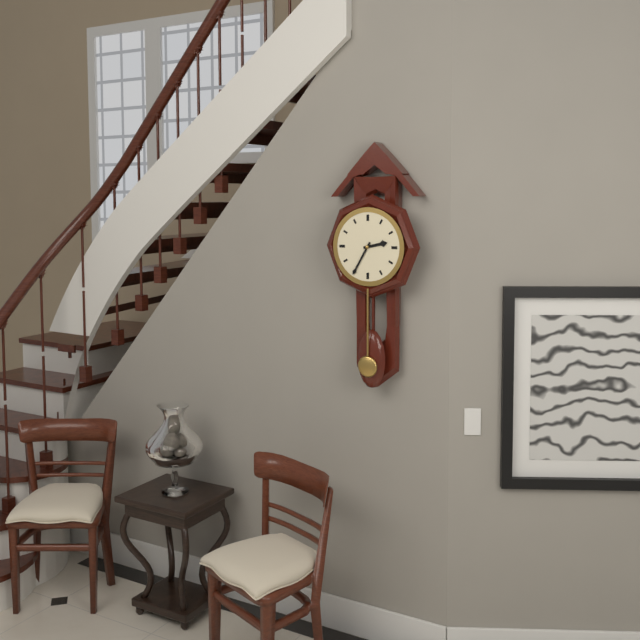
2:35
